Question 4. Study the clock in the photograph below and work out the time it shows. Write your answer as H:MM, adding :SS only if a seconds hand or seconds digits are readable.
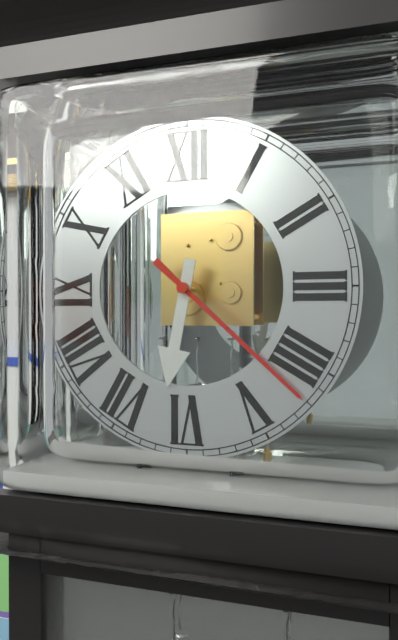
6:22
